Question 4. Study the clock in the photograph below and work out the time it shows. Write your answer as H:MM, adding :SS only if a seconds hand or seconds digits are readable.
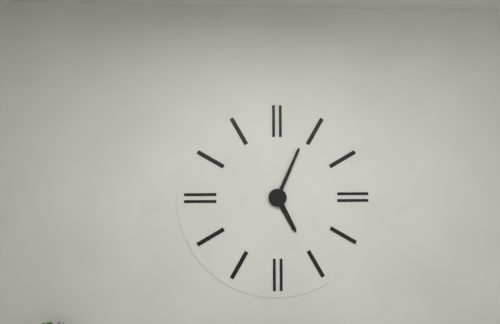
5:04
